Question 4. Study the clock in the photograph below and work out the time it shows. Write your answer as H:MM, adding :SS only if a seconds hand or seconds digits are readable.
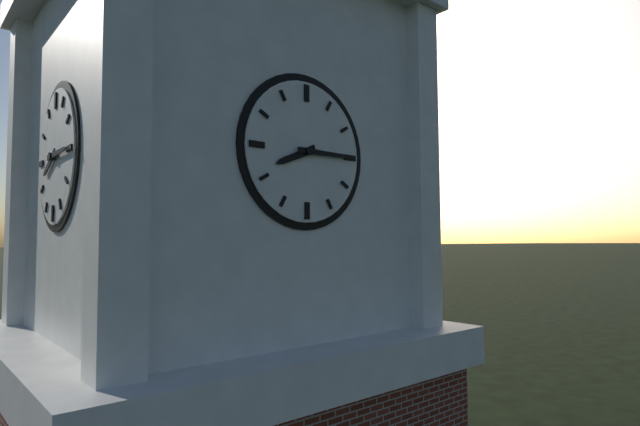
8:15
